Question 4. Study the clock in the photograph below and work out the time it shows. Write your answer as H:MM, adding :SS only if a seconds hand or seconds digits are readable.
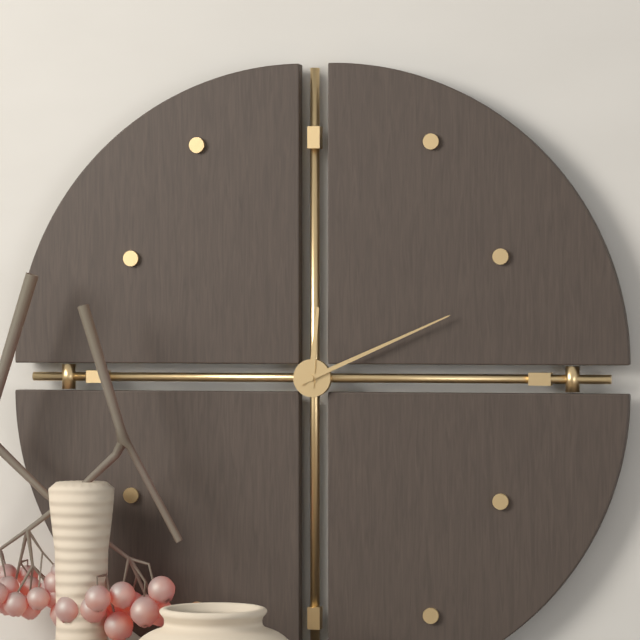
12:11
